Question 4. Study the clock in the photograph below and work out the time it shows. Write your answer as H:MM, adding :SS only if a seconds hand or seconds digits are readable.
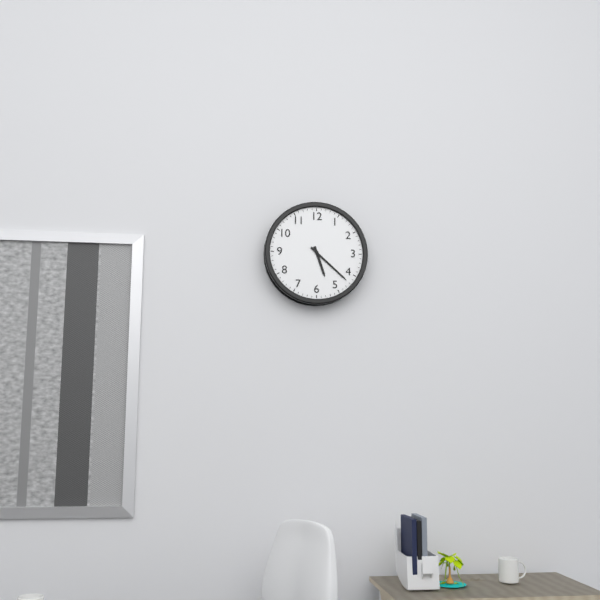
5:22
